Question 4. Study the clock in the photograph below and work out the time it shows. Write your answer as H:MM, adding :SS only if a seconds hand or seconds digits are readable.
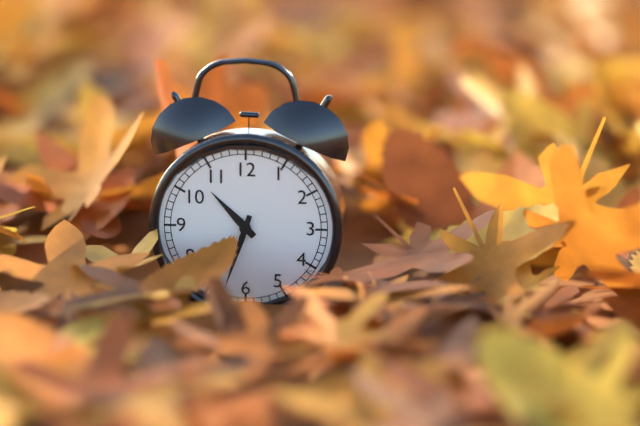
10:33
